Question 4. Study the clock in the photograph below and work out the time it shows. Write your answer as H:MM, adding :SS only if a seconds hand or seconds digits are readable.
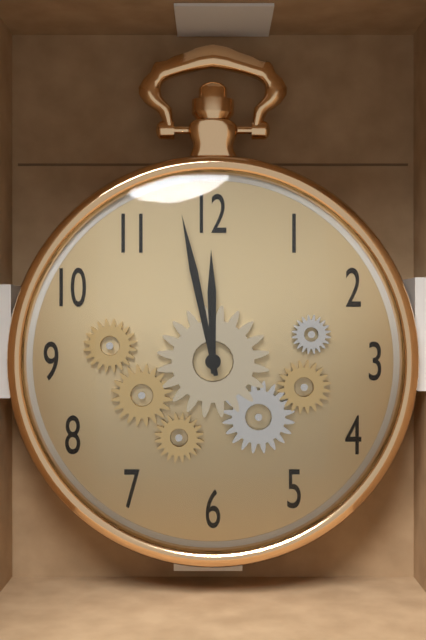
11:58
